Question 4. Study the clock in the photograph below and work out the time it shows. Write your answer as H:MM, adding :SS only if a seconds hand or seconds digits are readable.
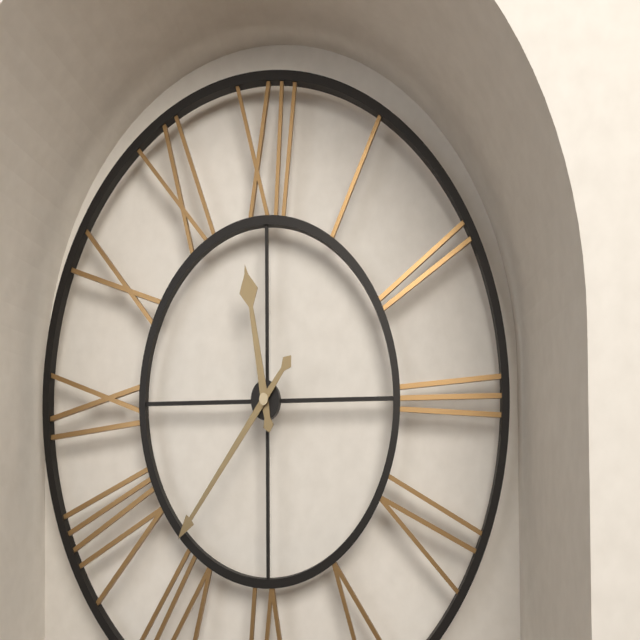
11:37
